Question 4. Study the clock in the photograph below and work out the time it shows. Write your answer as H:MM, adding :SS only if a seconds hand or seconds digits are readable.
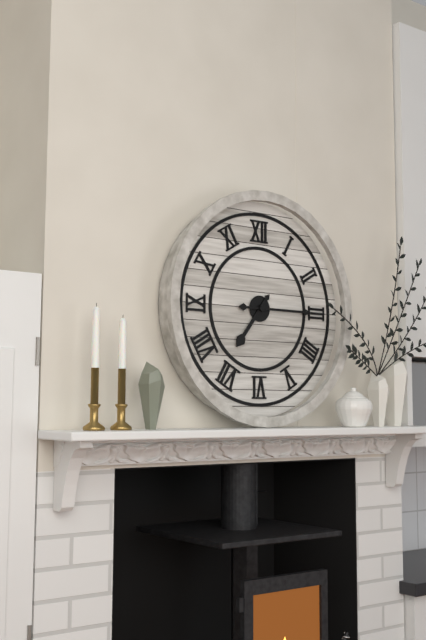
7:15
